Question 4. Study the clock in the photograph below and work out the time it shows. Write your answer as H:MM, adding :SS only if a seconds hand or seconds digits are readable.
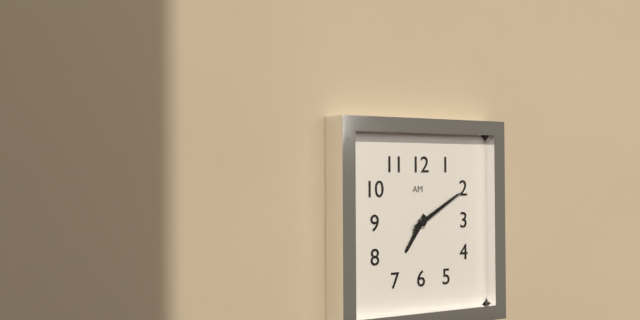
7:10:10
